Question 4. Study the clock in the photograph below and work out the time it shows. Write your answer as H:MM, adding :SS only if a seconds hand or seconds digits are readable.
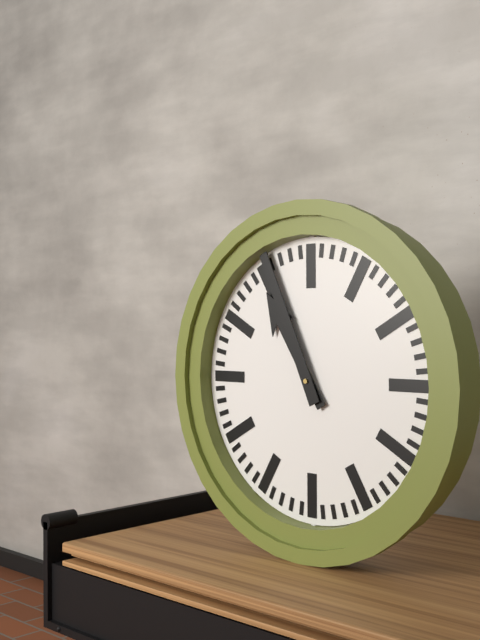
10:56
